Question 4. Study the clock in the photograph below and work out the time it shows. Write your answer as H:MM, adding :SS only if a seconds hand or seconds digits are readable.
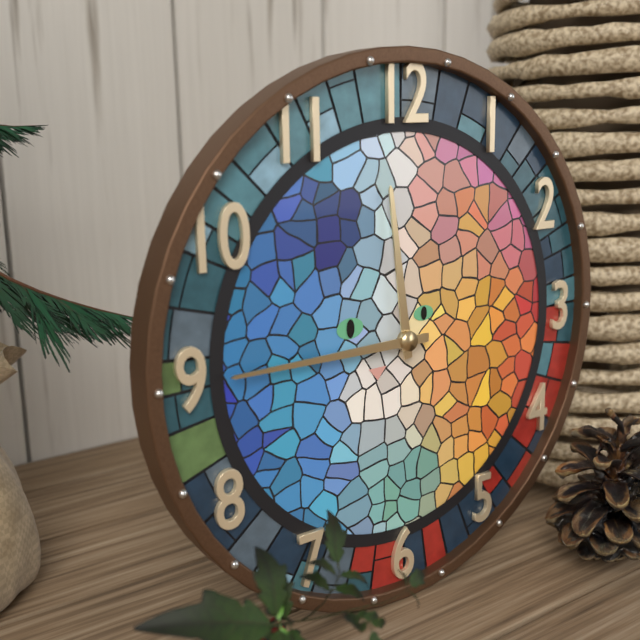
11:45
